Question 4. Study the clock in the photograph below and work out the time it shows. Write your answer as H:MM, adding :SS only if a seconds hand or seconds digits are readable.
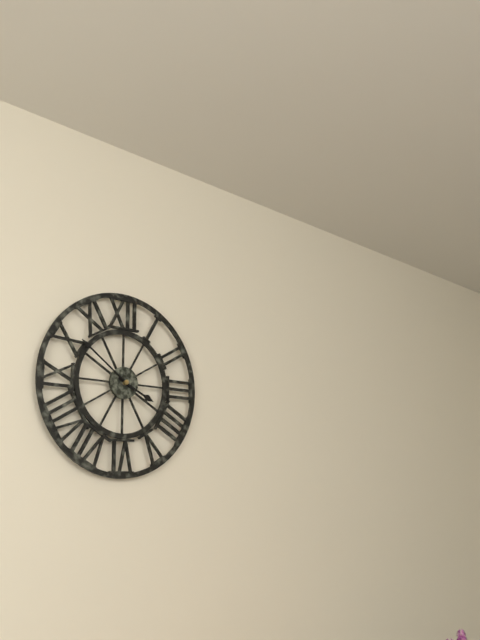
3:51
